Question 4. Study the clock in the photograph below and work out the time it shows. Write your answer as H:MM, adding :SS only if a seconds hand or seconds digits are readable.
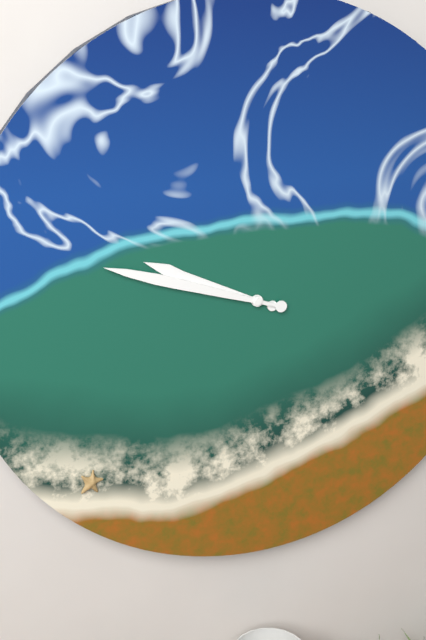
9:48
